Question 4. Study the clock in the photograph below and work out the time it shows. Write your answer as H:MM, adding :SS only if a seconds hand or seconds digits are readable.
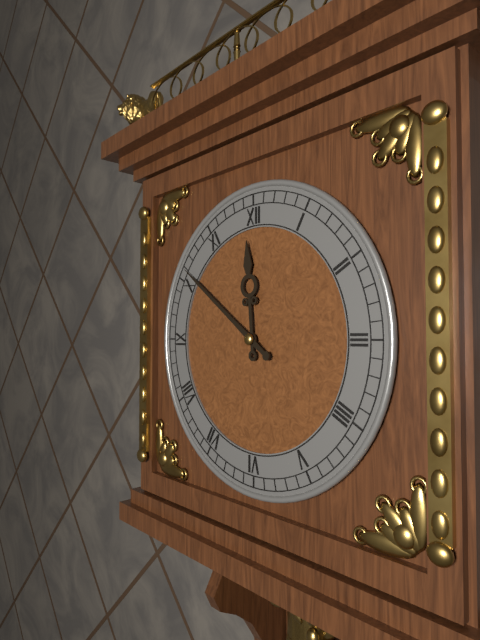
11:51
